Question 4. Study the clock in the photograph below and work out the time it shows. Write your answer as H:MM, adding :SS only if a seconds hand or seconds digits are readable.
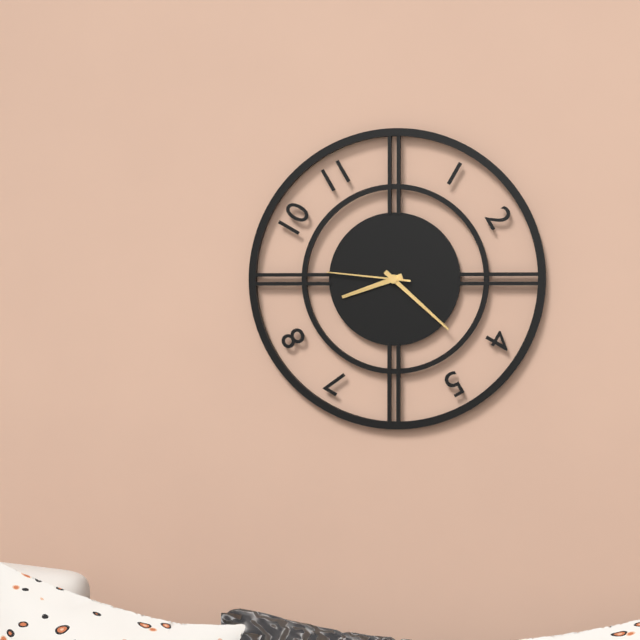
8:22:46
